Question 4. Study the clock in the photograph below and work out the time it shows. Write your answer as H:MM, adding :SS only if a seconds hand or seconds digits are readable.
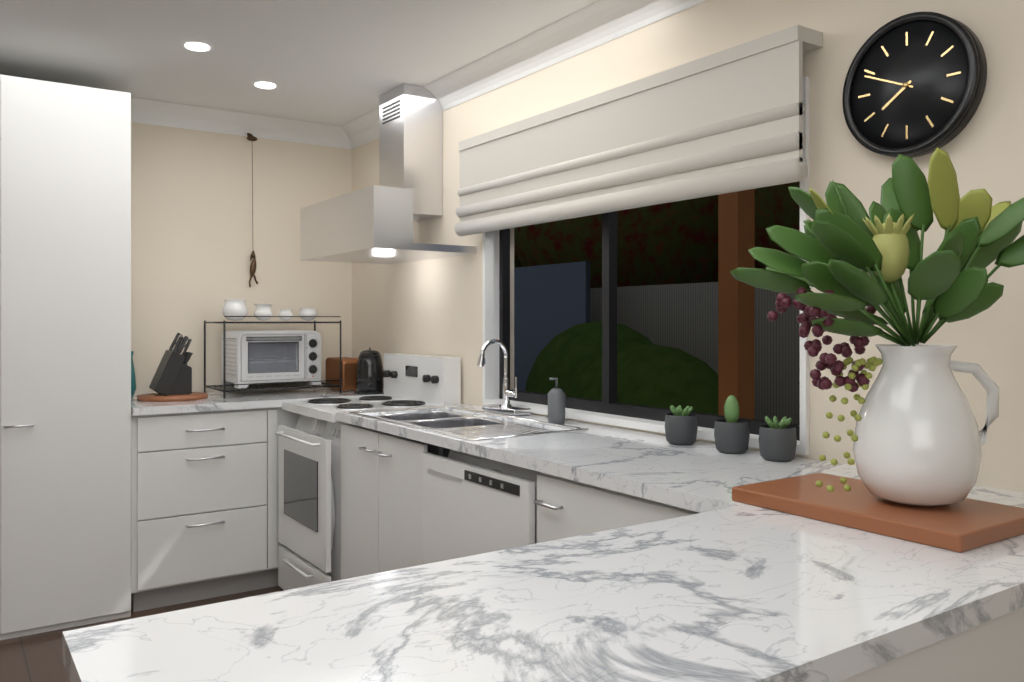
7:49
